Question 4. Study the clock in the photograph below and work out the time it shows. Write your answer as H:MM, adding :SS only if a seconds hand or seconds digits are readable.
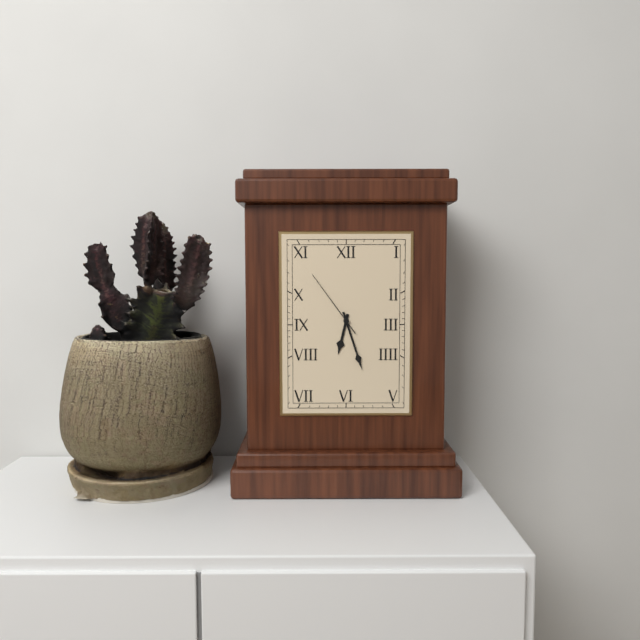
6:27:54
